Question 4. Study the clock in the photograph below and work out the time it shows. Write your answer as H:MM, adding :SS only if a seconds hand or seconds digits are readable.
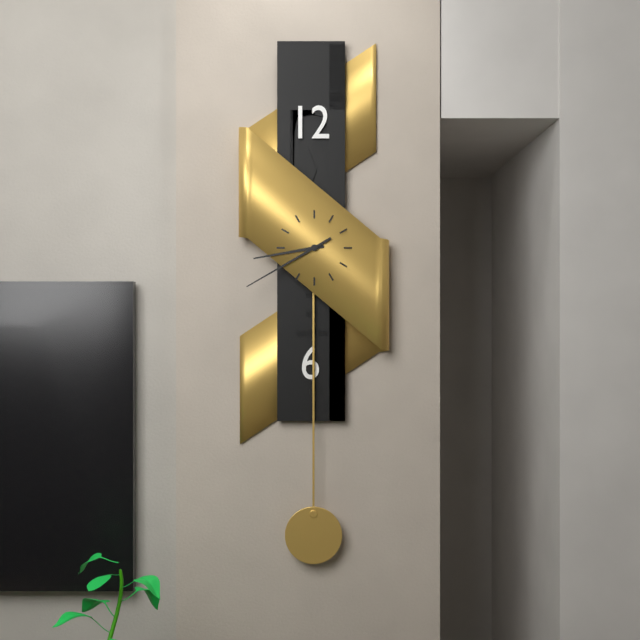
8:40
